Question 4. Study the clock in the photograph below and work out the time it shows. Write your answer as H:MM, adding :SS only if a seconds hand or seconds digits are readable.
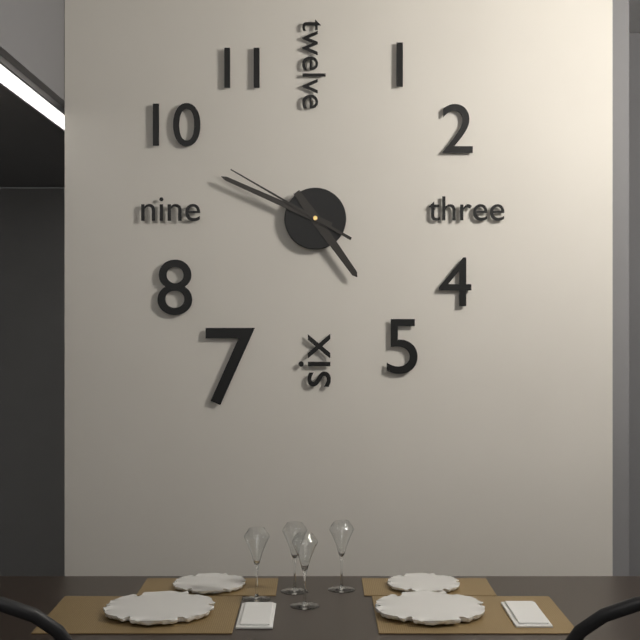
4:49:50
